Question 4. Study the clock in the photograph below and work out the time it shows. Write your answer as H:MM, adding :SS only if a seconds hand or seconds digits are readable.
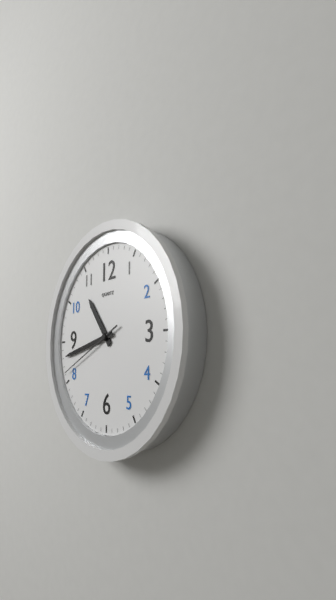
10:43:41
